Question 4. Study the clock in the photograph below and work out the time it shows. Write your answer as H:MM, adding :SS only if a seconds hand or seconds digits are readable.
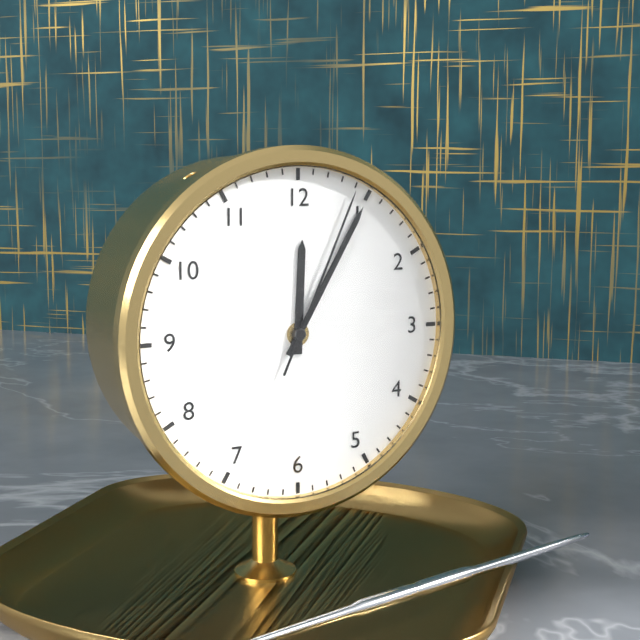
12:05:04
